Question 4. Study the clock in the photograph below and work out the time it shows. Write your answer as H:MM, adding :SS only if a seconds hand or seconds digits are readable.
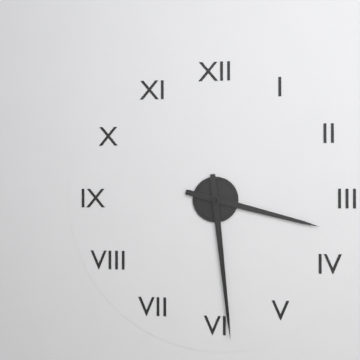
3:29
